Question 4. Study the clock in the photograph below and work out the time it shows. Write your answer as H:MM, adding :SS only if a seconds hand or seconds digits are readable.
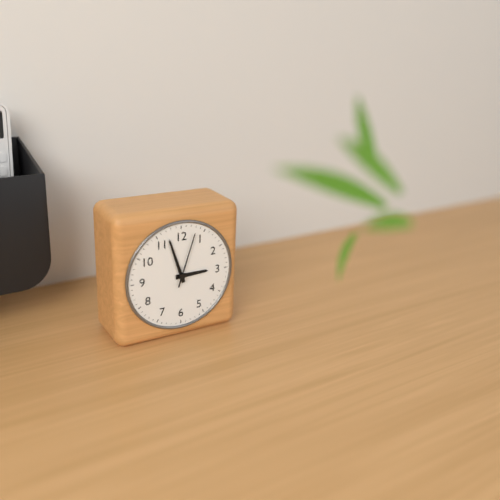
2:57:03
